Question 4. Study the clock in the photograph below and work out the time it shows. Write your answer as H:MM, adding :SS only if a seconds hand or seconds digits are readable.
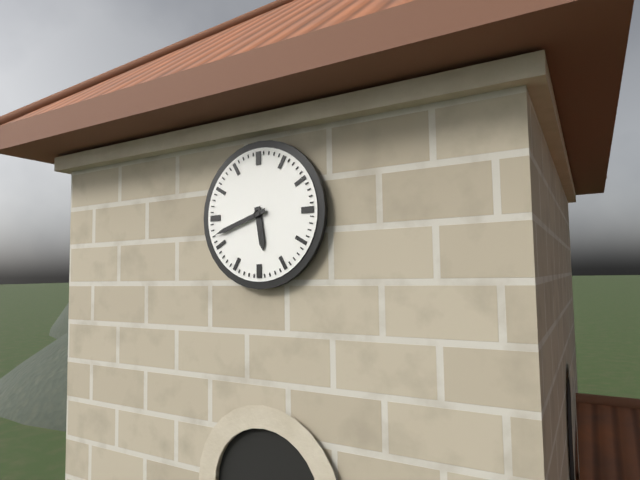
5:42
